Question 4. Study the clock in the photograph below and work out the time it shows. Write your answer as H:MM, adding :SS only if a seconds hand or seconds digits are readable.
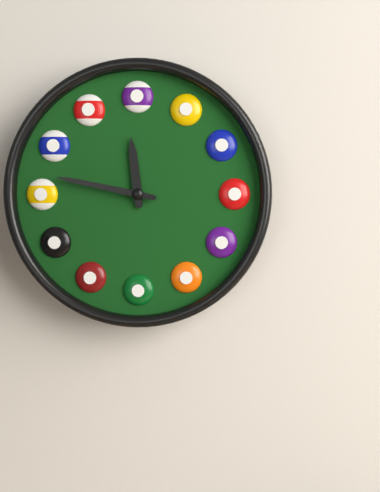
11:47
